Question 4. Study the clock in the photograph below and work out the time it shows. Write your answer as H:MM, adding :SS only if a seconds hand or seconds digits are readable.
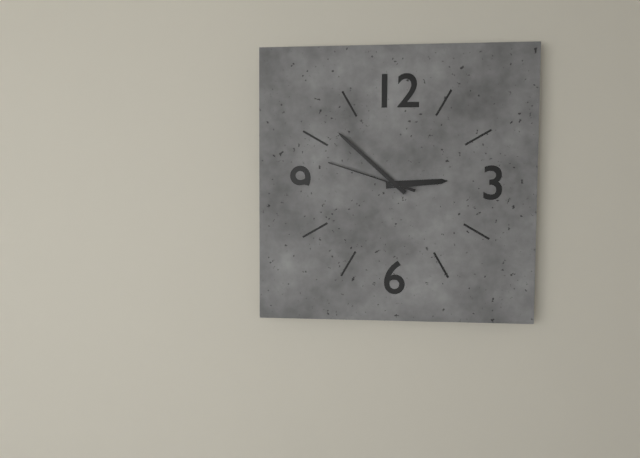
2:52:48
